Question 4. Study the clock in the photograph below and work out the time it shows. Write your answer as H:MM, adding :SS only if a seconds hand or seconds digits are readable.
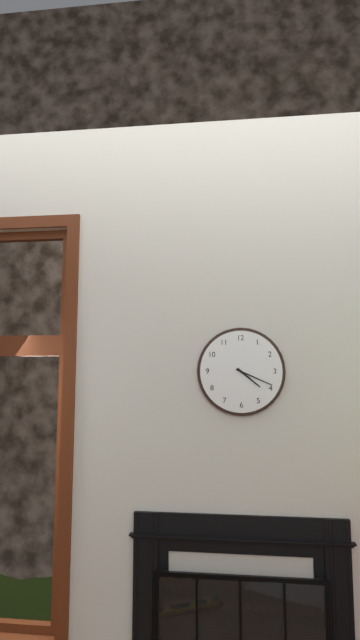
4:19
